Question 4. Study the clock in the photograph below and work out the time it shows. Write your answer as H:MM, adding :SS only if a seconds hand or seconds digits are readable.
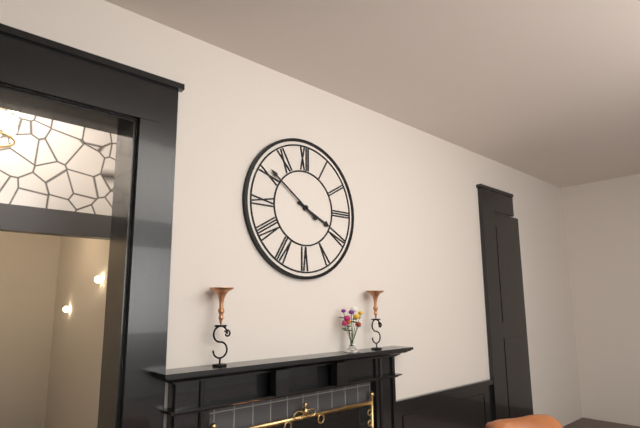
3:51
